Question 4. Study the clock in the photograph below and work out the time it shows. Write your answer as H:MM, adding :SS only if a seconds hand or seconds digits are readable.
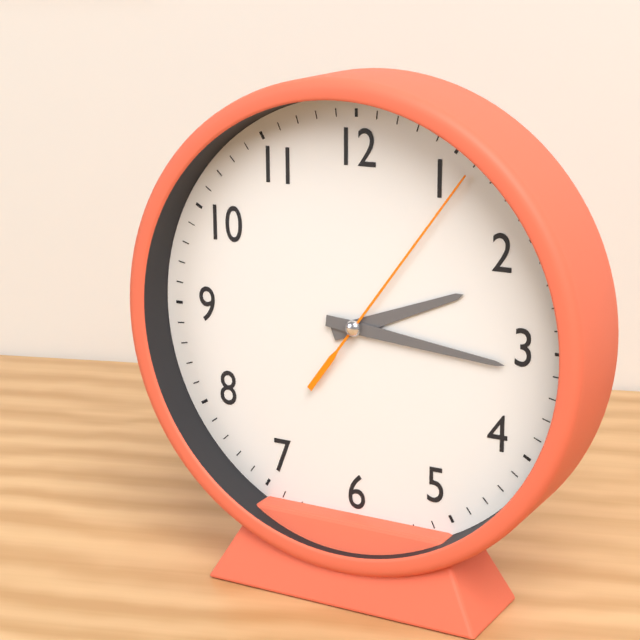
2:16:06
